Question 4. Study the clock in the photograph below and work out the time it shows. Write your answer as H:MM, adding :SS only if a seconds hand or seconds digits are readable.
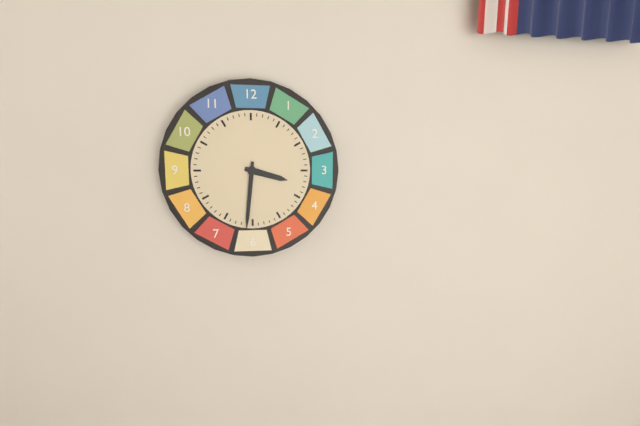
3:31
